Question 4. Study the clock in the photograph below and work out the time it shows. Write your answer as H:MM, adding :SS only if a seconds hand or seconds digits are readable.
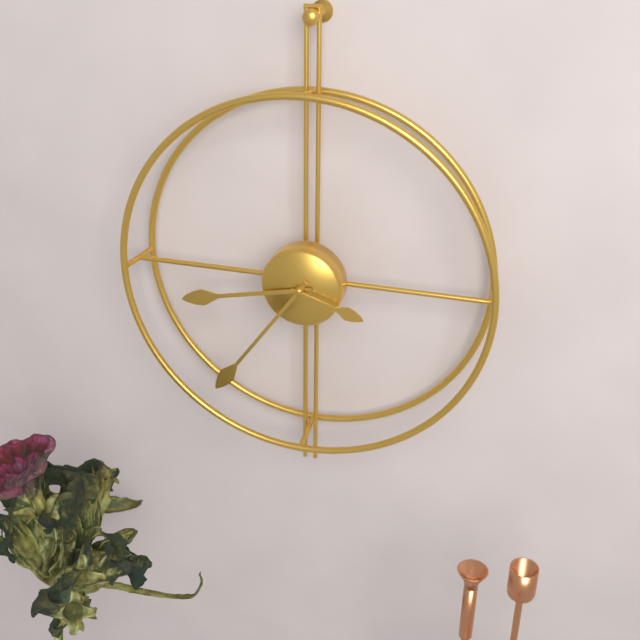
8:36:18
